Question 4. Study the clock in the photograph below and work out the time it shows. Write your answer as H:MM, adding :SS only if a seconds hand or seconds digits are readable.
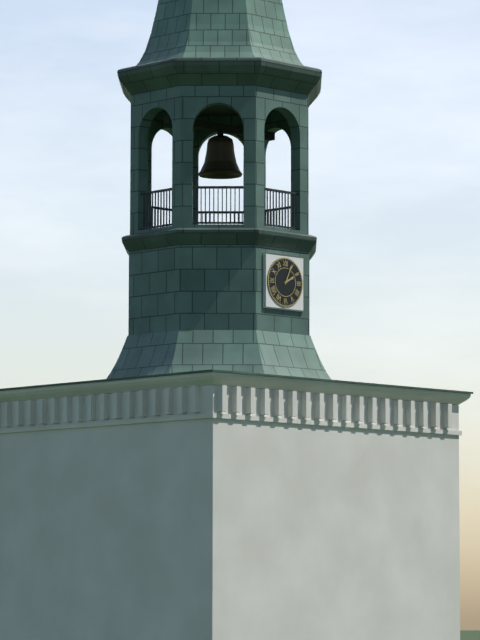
2:04
